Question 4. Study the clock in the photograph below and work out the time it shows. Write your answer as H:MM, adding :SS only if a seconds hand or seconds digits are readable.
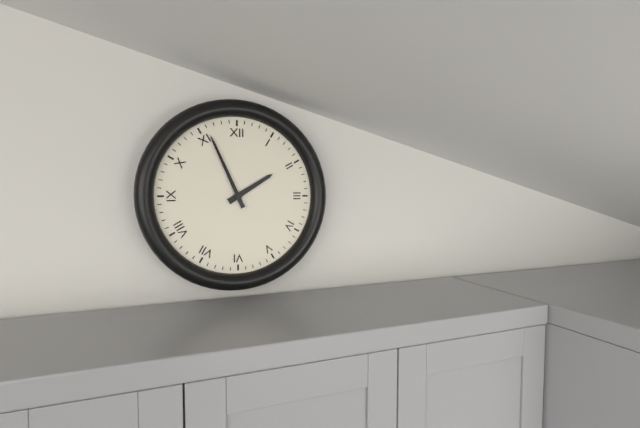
1:56
